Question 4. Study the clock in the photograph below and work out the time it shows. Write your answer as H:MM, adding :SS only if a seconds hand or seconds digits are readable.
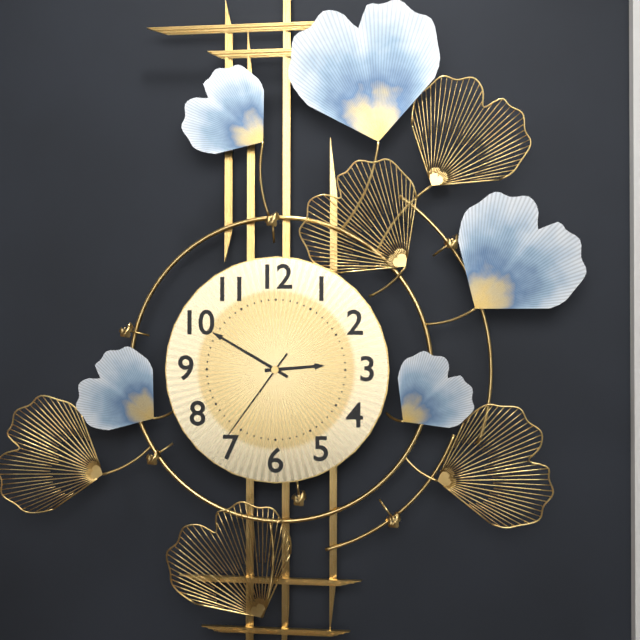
2:50:36
